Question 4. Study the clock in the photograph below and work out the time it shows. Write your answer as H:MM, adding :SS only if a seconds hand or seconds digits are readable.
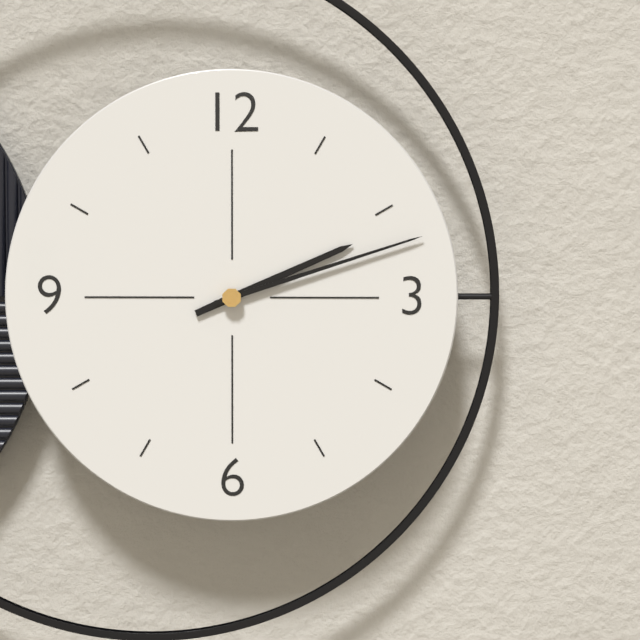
2:12
